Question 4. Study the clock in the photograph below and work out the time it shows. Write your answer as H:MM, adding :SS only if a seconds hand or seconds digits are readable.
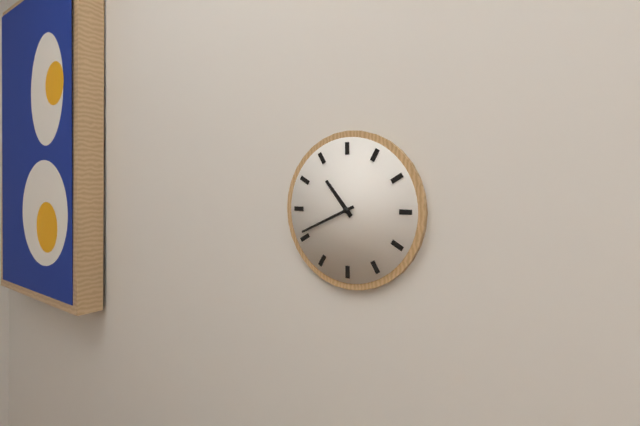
10:41
